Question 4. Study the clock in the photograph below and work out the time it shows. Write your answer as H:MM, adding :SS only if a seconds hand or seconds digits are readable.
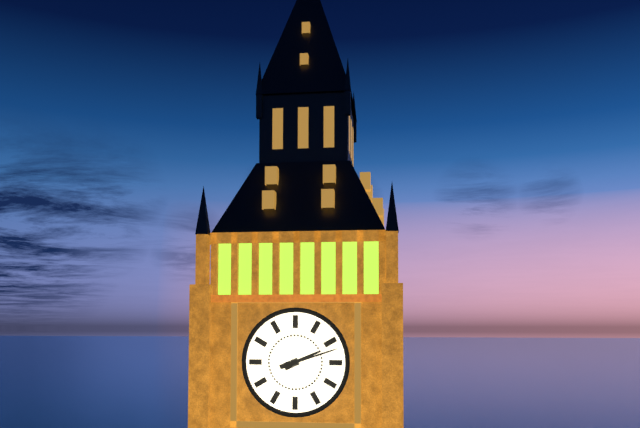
2:12
